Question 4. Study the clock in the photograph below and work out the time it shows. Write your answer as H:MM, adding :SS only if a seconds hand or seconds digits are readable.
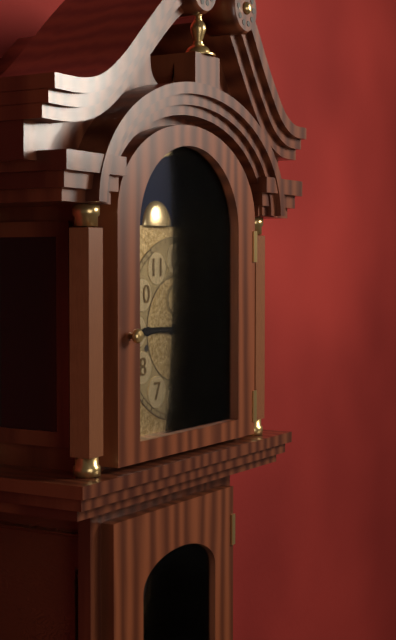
2:45
